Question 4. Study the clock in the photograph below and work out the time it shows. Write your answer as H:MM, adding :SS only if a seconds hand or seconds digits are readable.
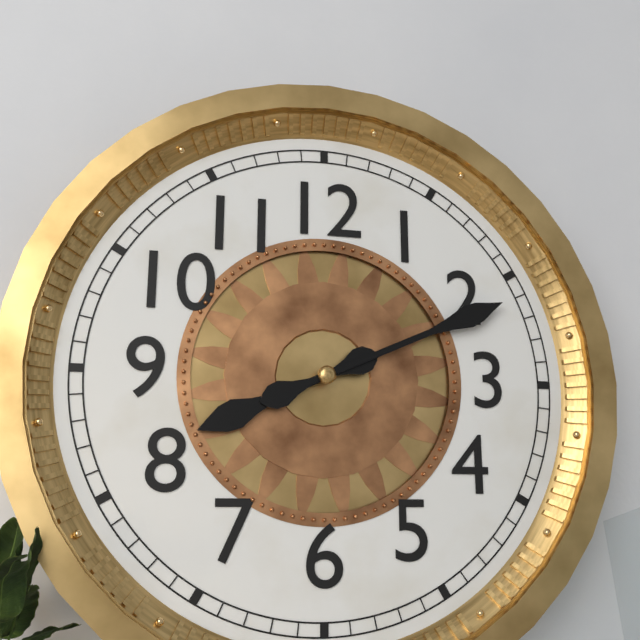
8:11
